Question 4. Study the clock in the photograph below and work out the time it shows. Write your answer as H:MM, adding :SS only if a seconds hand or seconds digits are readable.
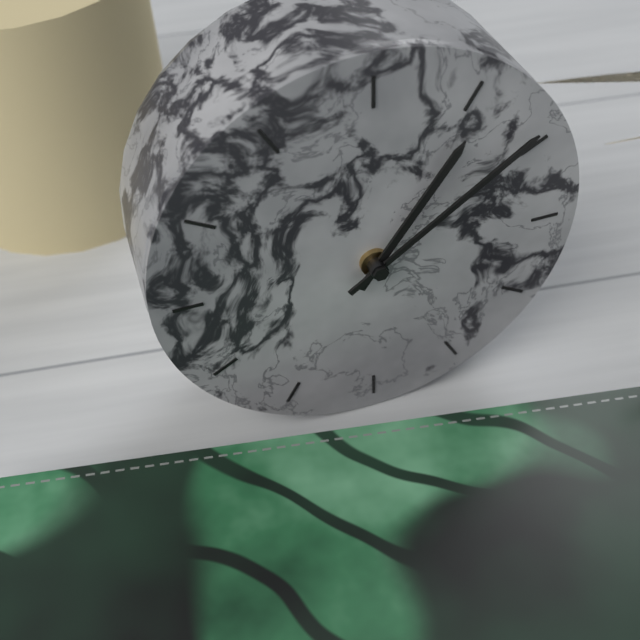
1:09
